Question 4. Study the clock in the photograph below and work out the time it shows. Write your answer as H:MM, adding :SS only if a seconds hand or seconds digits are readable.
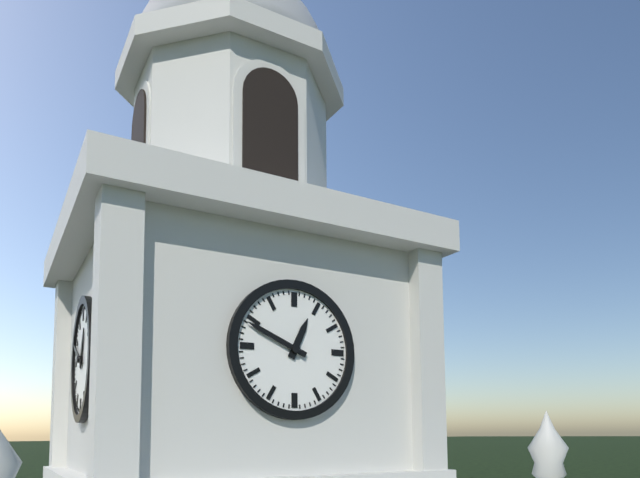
12:49
